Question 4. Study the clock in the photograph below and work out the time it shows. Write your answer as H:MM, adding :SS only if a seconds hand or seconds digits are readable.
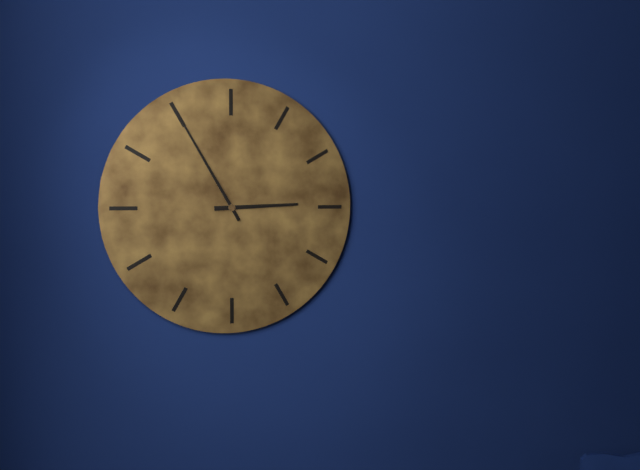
2:55
